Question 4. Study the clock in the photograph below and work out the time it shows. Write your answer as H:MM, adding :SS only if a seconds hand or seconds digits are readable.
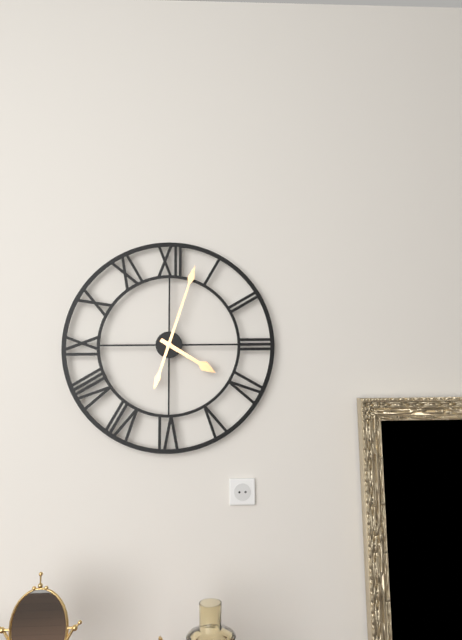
4:03
